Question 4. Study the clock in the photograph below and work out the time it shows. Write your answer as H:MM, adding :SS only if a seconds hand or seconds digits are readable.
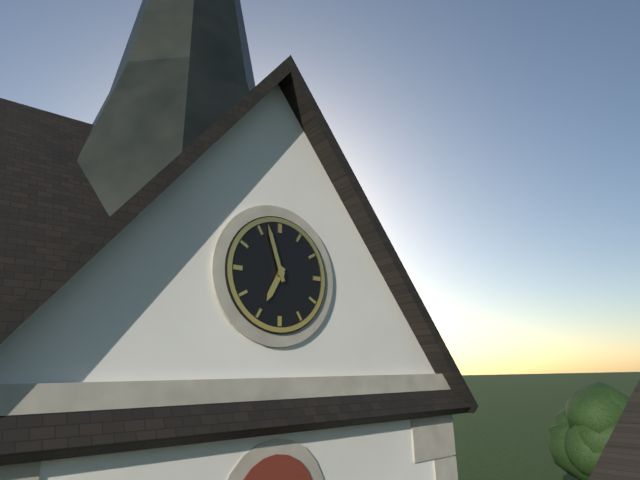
6:57
